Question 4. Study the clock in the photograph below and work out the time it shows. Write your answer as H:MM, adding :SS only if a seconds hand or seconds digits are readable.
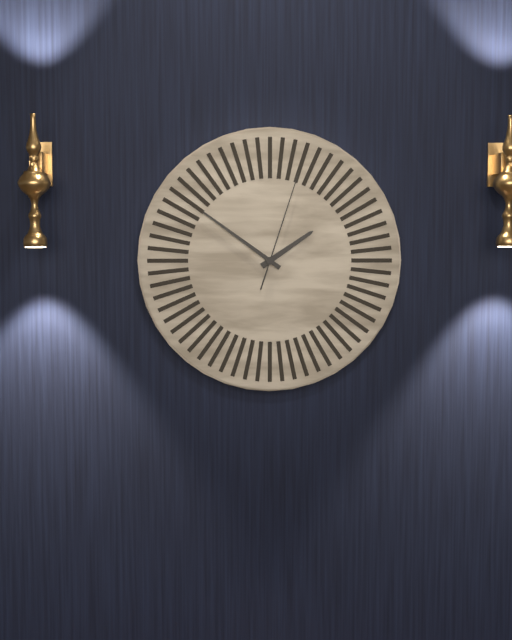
1:51:03
